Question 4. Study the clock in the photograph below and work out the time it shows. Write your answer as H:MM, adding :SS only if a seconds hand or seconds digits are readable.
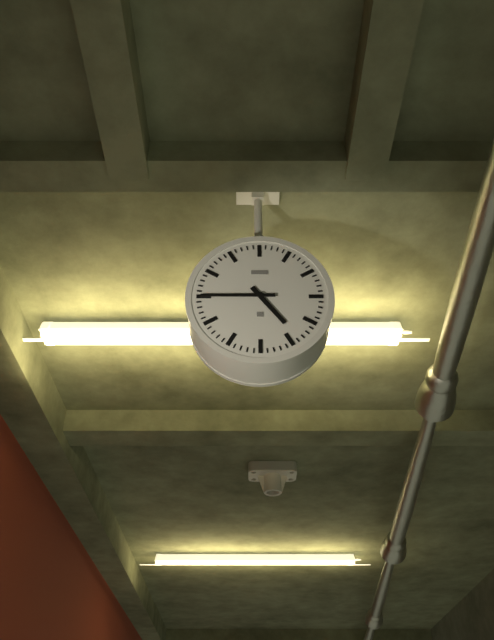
4:45
